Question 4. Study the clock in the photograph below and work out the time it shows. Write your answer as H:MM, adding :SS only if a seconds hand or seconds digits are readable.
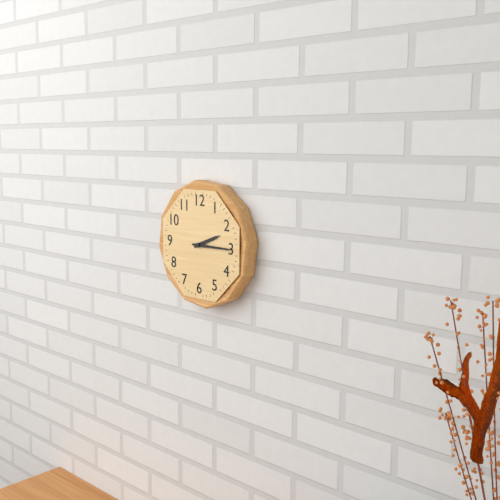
2:15
